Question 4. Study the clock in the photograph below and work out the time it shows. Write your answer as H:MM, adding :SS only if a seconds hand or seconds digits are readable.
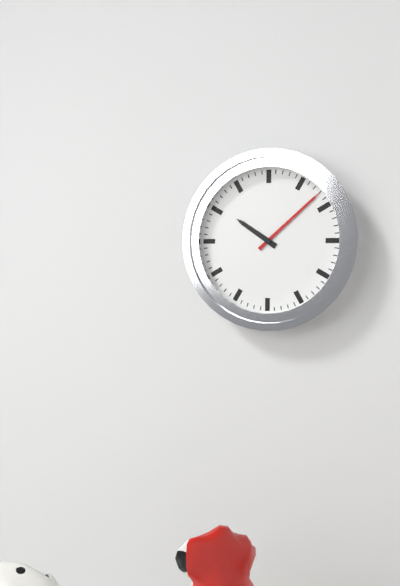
10:08
